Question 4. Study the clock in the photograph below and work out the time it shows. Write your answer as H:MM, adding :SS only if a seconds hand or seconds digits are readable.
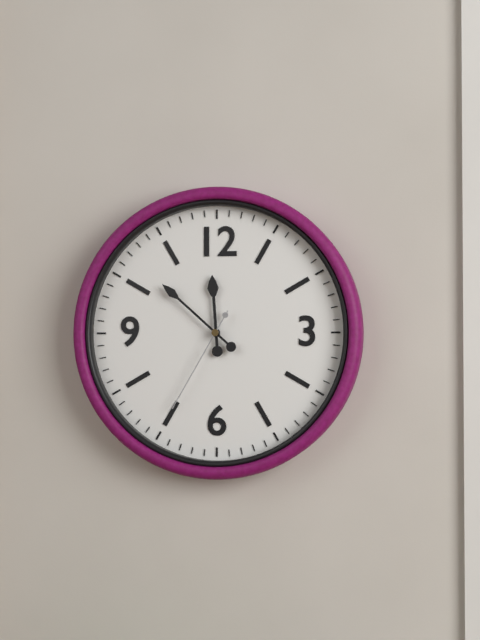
11:52:35
